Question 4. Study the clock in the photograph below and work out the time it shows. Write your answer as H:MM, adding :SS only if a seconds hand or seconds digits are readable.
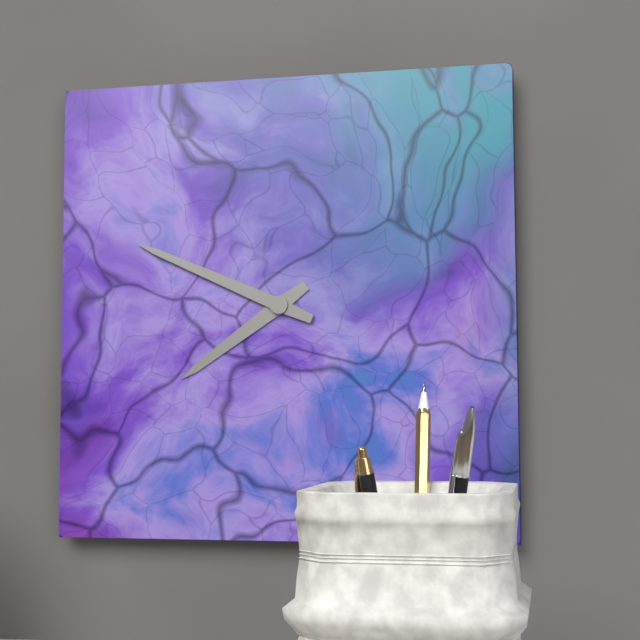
7:49
